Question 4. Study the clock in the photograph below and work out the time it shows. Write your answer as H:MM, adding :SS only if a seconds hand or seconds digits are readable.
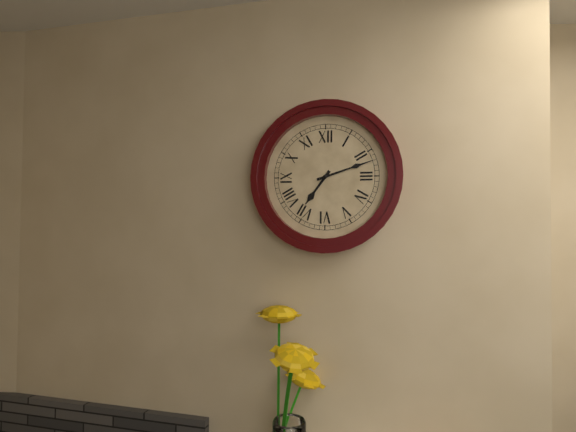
7:12
